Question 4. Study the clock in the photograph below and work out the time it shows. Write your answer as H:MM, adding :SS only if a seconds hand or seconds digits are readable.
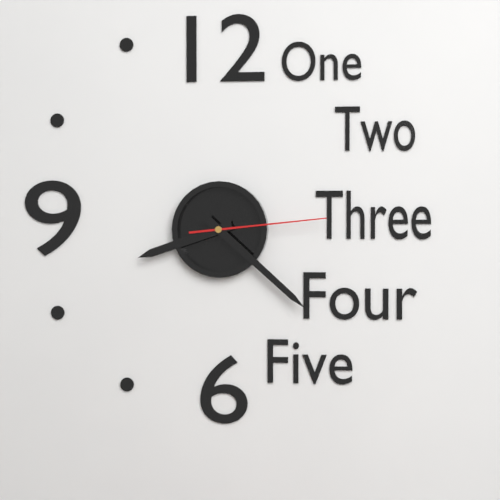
8:22:14
